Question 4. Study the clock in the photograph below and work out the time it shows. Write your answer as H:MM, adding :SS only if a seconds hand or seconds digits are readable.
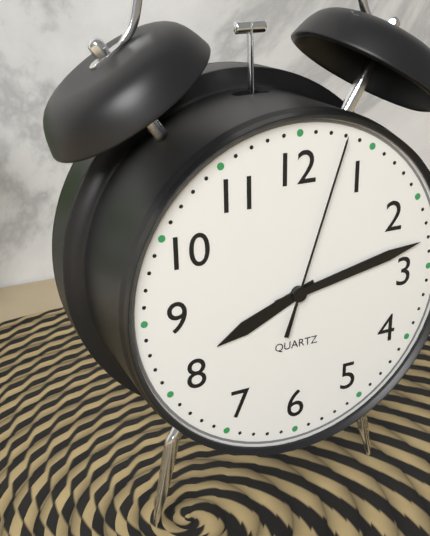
8:13:03
